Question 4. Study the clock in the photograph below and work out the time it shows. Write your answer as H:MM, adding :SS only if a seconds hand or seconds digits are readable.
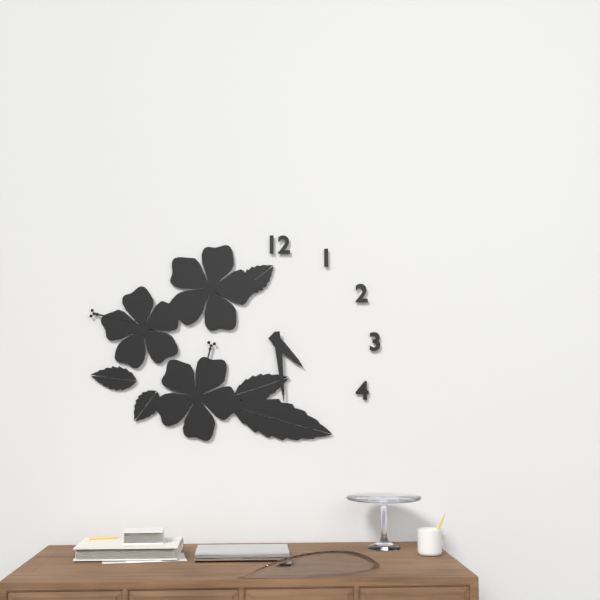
4:29
